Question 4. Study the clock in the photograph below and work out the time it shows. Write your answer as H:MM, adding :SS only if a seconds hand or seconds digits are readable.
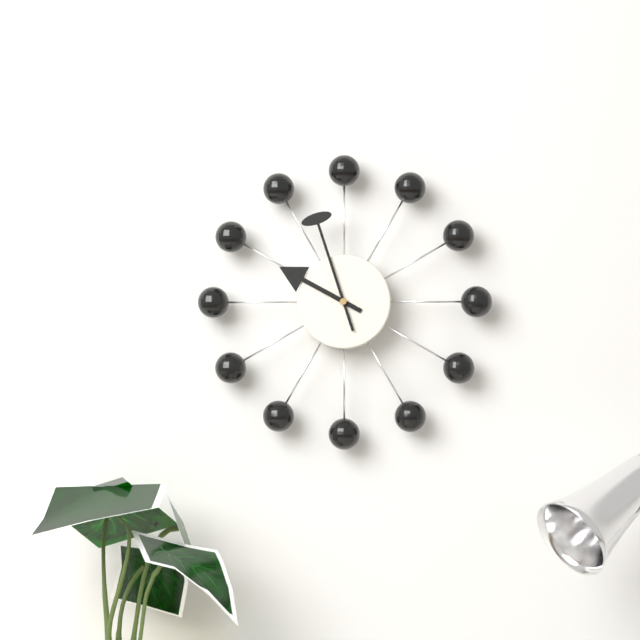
9:57
